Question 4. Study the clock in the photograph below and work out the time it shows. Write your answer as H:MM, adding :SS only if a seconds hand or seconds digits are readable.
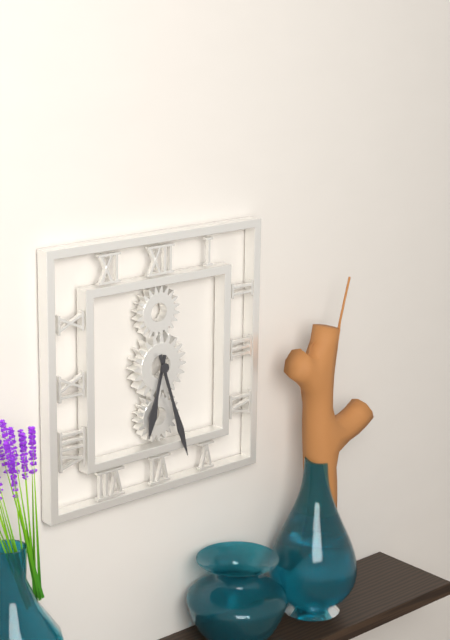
6:27
